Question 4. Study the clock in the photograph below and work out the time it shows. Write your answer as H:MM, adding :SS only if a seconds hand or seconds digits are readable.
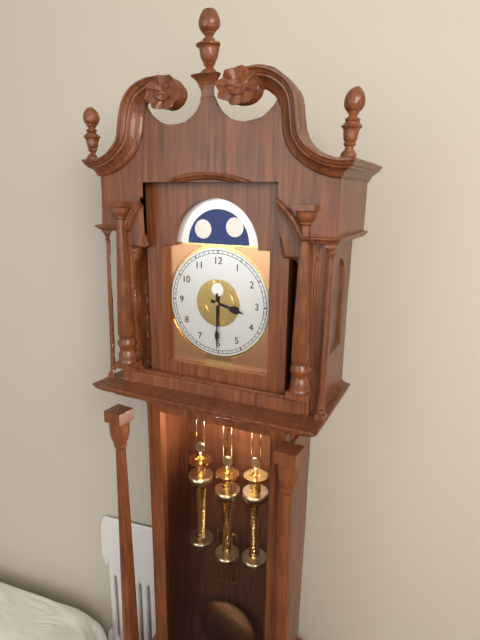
3:30
